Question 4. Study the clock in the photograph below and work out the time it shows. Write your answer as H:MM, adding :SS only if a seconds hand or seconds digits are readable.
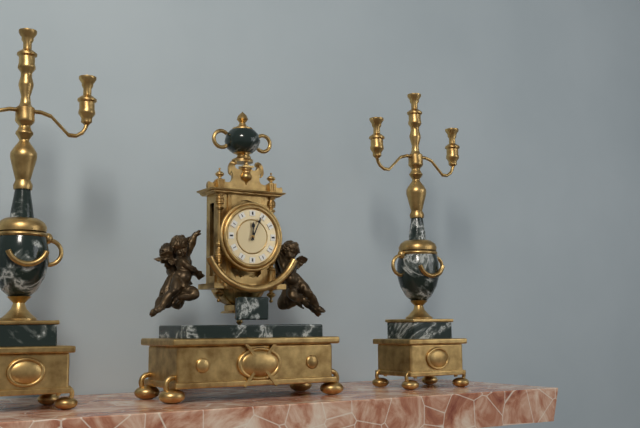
12:04
